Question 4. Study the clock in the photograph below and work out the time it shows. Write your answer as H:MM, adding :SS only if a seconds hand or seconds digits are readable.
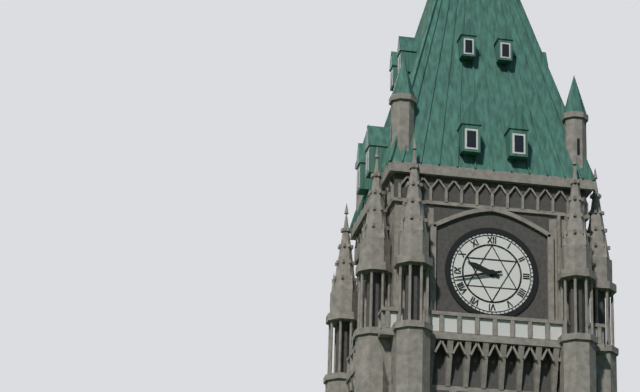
9:43
